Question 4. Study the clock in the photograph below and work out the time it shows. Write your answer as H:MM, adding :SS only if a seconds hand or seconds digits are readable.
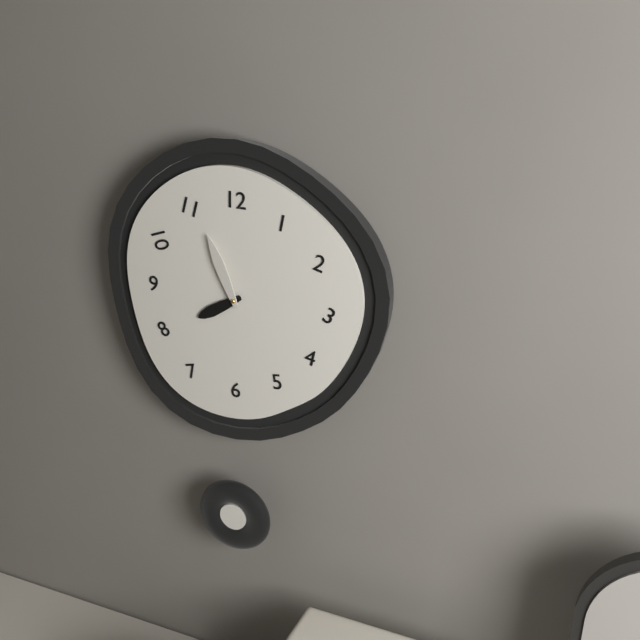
7:56
